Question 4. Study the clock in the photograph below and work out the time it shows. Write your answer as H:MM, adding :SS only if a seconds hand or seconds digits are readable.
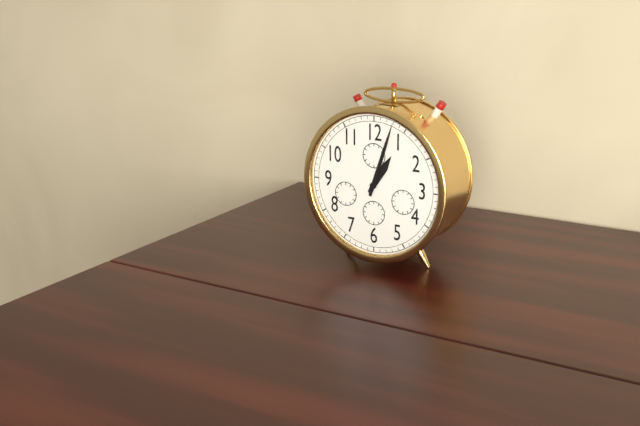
1:03
